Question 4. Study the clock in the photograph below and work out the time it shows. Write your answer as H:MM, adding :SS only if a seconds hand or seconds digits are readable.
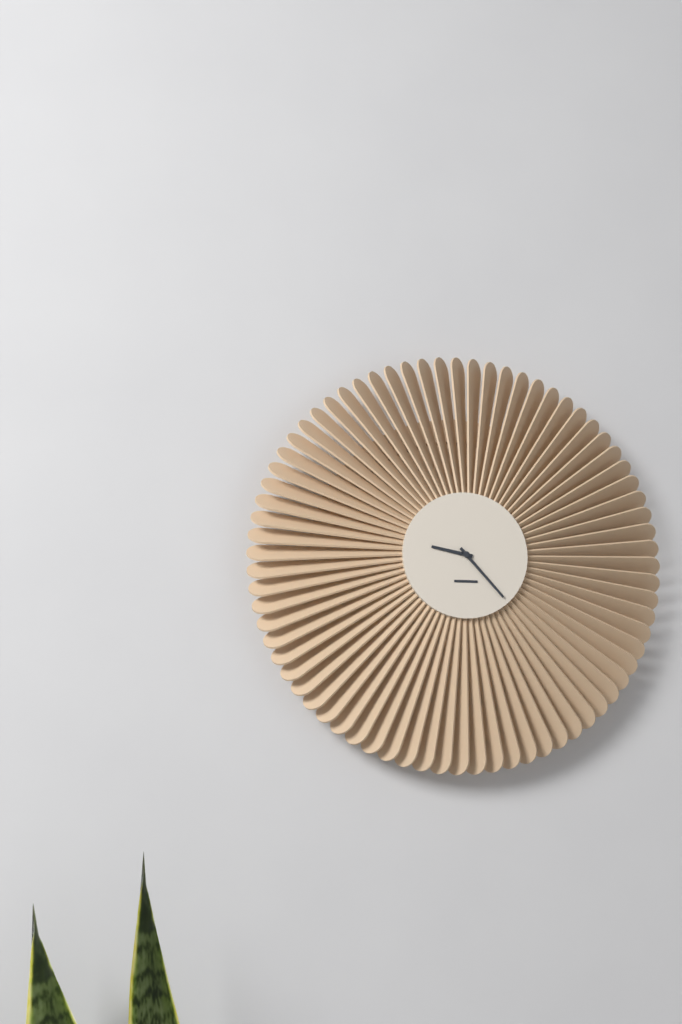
9:23
